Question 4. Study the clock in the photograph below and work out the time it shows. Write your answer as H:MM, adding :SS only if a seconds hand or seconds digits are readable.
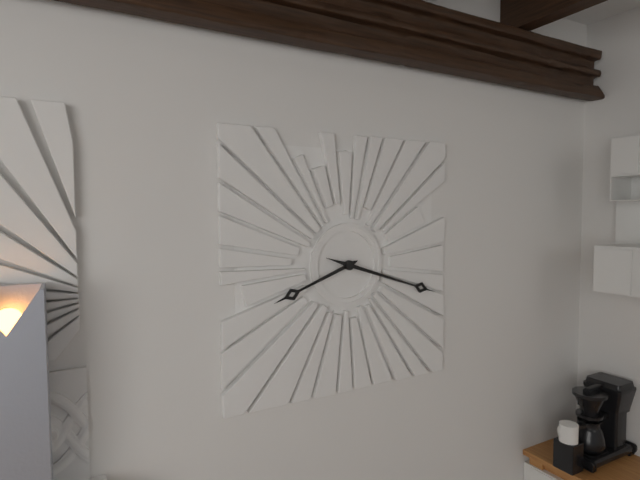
8:18
